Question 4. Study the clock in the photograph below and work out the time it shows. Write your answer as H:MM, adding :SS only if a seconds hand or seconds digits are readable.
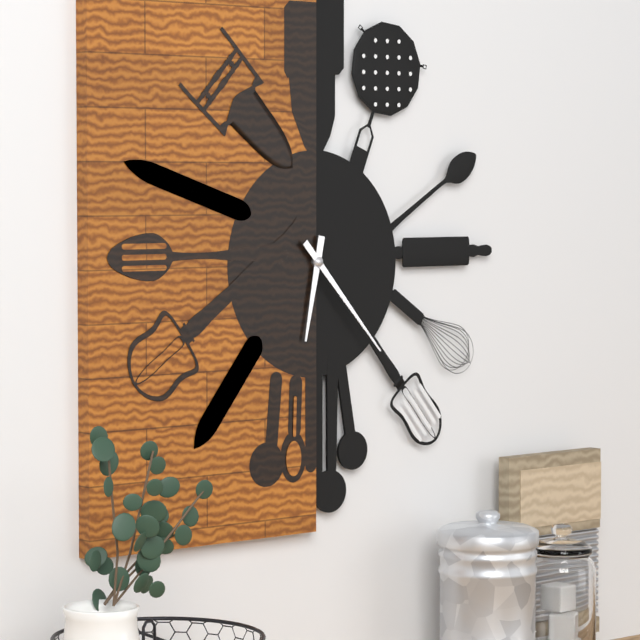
6:23
